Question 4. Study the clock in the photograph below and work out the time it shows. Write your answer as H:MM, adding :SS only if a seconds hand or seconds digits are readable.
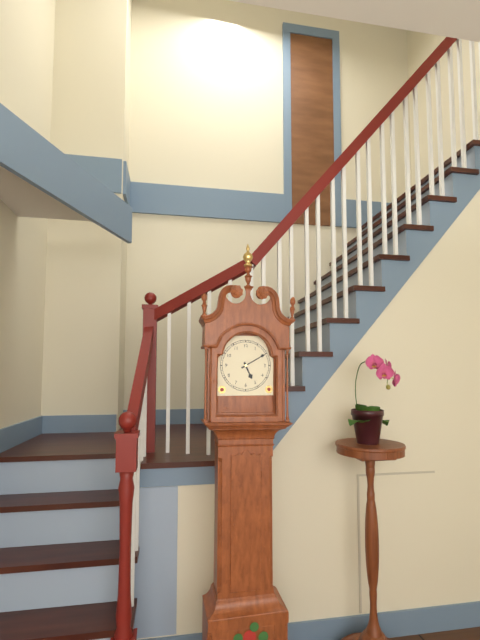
5:10
